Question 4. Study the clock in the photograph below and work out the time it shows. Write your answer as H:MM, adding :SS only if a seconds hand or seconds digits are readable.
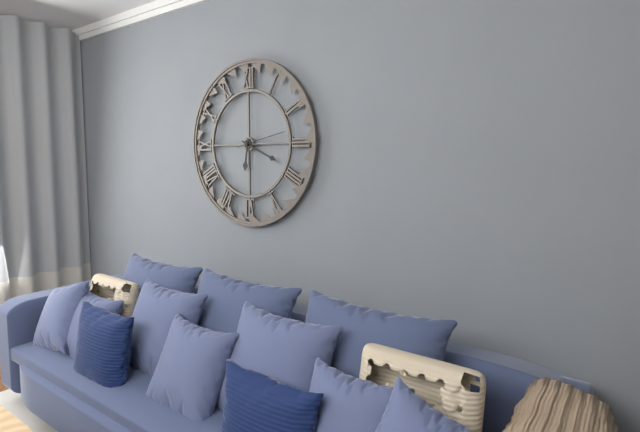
6:19
